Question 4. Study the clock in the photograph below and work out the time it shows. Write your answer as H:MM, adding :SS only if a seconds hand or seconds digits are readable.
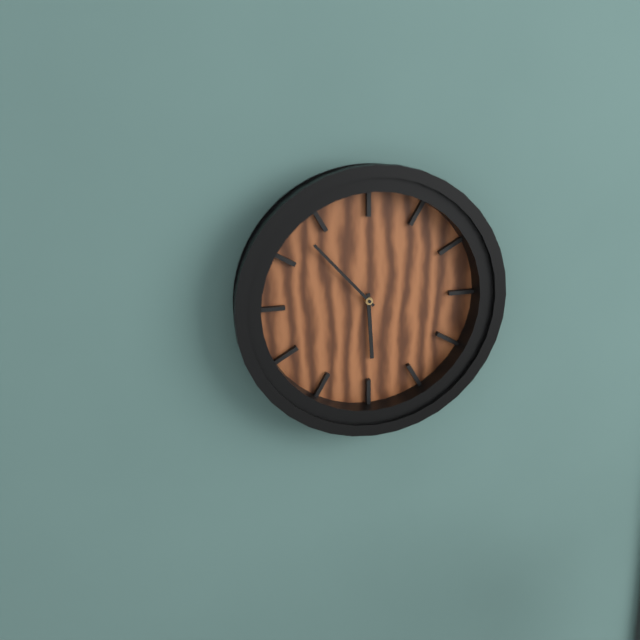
5:53
